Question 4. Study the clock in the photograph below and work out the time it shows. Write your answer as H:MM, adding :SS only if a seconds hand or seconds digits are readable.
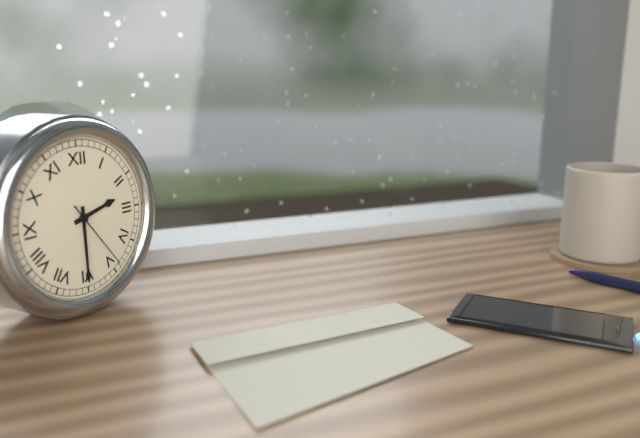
2:30:24
